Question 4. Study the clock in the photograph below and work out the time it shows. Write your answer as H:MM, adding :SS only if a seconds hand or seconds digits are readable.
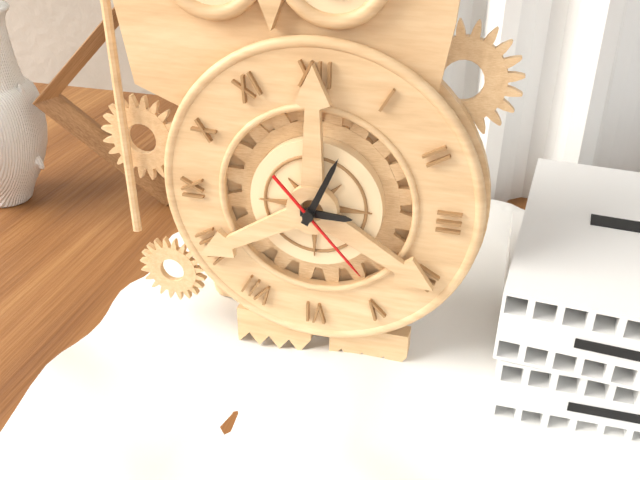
3:04:23
